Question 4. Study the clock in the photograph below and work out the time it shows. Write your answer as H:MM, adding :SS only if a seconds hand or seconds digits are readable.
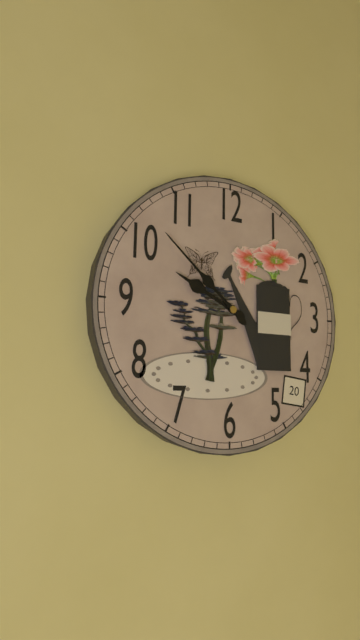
9:52
